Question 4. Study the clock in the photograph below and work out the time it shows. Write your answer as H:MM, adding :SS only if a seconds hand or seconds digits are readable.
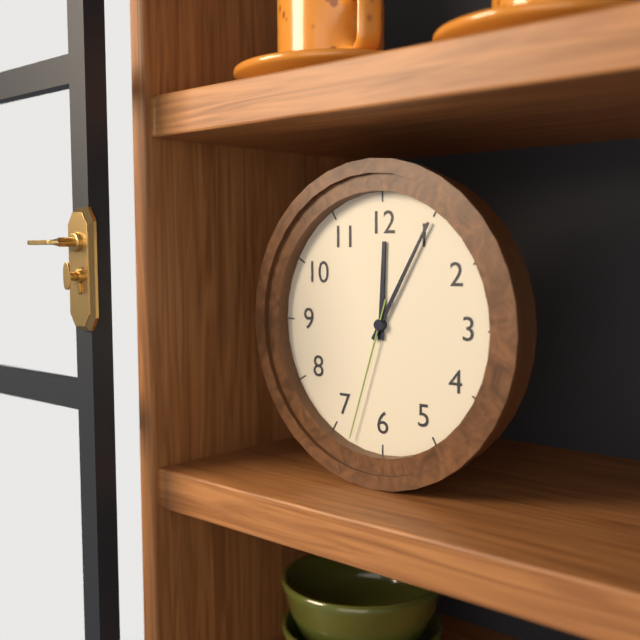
12:05:33
